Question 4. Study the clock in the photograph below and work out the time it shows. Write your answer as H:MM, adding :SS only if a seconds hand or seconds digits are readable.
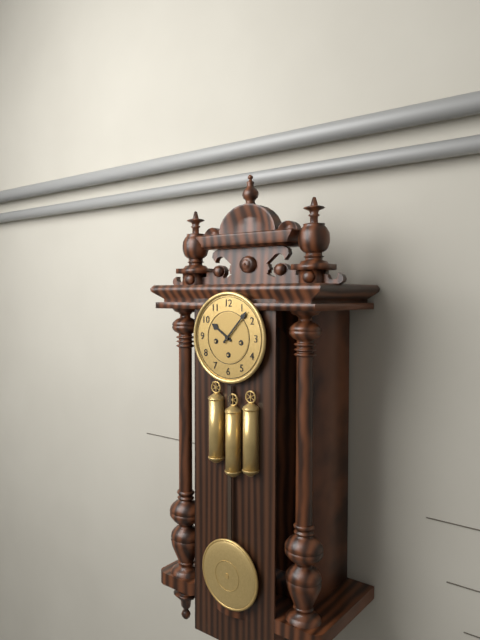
10:07
